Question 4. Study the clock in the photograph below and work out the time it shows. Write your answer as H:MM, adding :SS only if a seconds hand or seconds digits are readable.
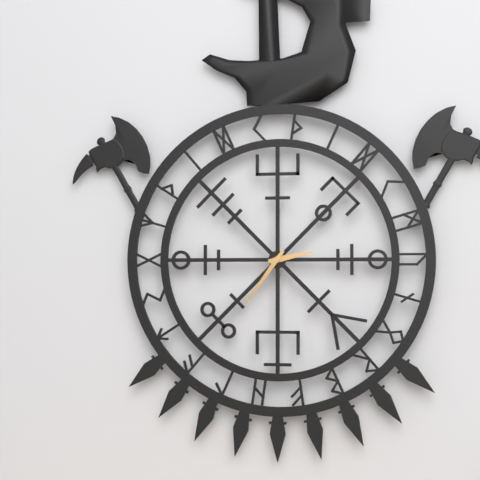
2:36
